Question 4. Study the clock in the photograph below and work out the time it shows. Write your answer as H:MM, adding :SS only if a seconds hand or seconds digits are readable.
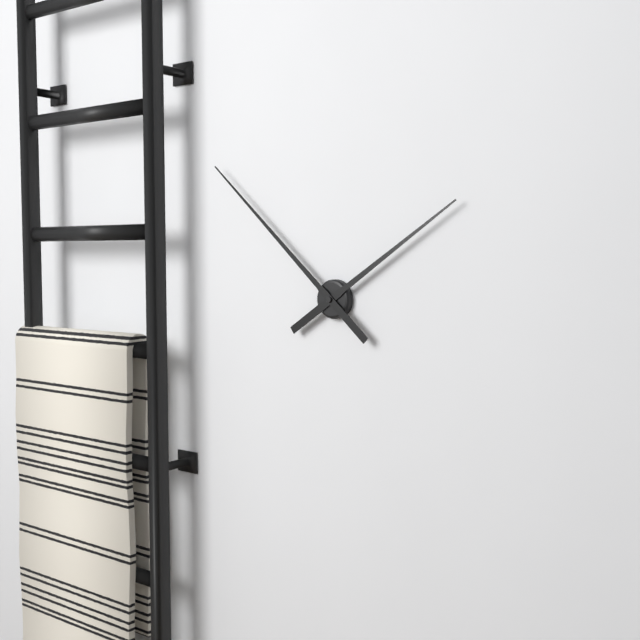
1:52
